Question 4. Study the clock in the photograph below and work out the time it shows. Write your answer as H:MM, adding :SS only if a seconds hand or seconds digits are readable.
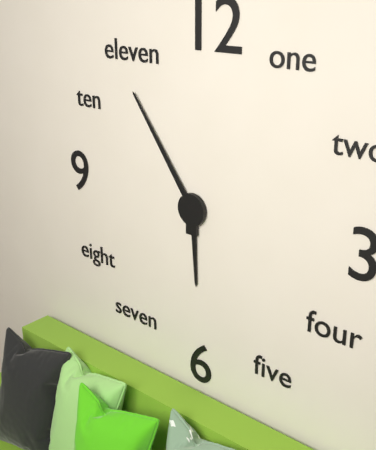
5:54
